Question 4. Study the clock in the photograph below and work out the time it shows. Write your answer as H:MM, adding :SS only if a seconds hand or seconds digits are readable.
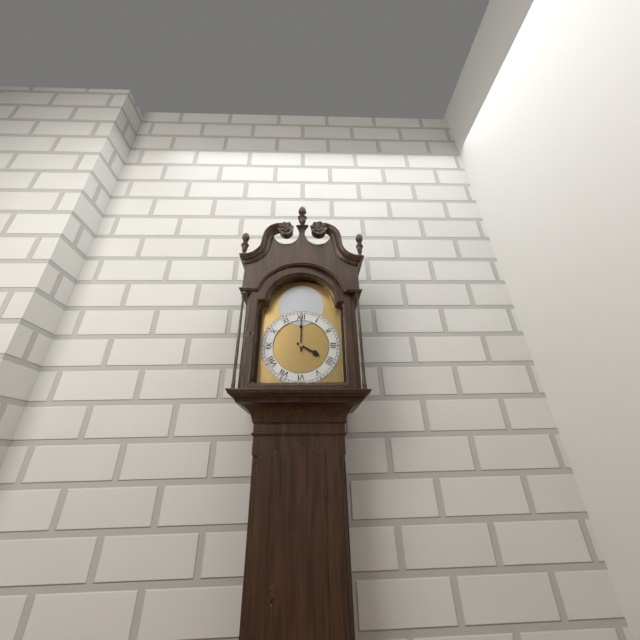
4:00
